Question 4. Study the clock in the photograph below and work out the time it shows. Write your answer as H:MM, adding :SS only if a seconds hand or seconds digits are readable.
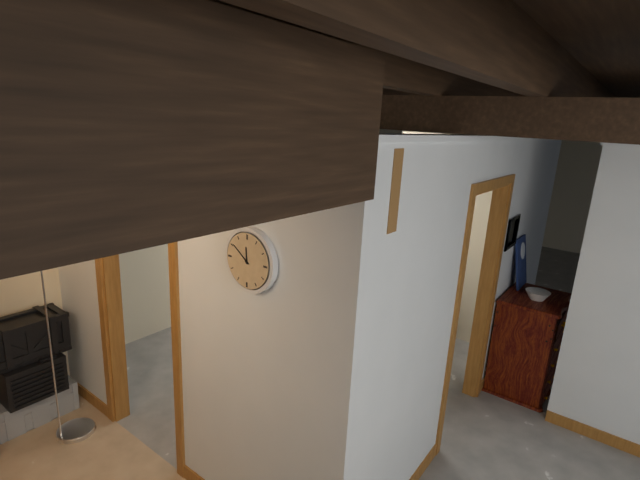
11:51
